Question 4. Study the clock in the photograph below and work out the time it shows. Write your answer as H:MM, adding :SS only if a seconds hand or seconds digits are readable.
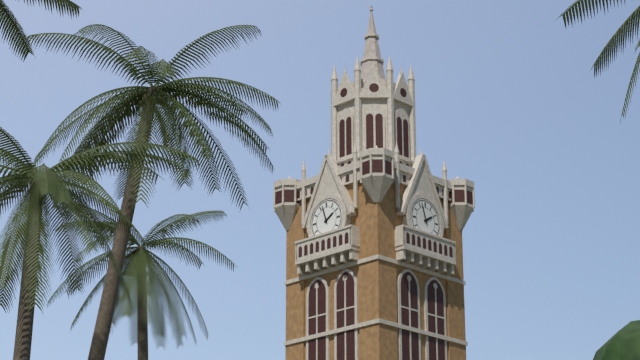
1:57
